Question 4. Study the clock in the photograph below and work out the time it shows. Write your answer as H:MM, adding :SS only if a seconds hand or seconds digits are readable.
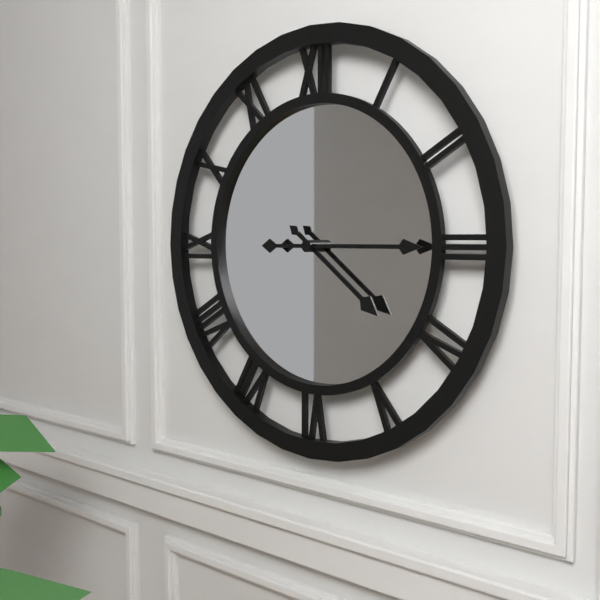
4:15
